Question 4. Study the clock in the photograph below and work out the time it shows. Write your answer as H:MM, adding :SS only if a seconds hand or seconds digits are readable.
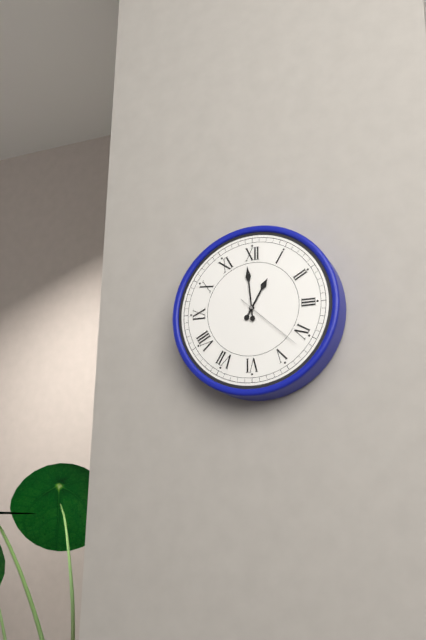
12:59:22
